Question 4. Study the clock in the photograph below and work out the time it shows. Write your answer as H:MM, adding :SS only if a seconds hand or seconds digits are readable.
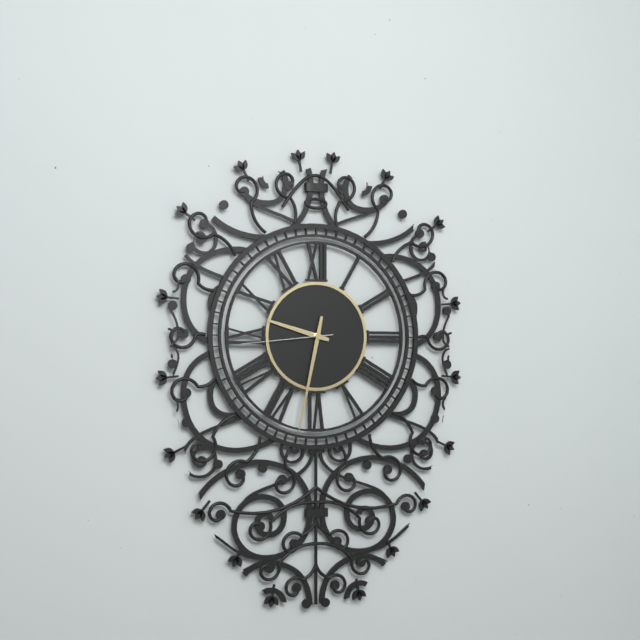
9:32:44
